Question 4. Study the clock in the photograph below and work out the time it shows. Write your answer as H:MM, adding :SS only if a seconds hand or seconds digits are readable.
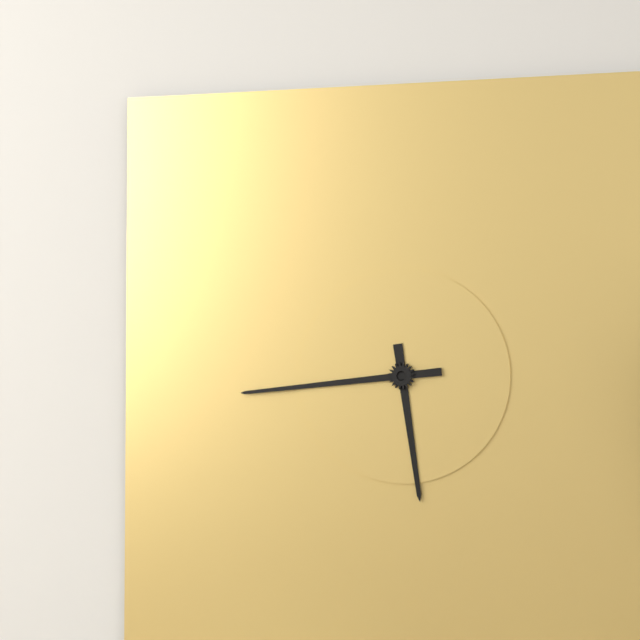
5:44
